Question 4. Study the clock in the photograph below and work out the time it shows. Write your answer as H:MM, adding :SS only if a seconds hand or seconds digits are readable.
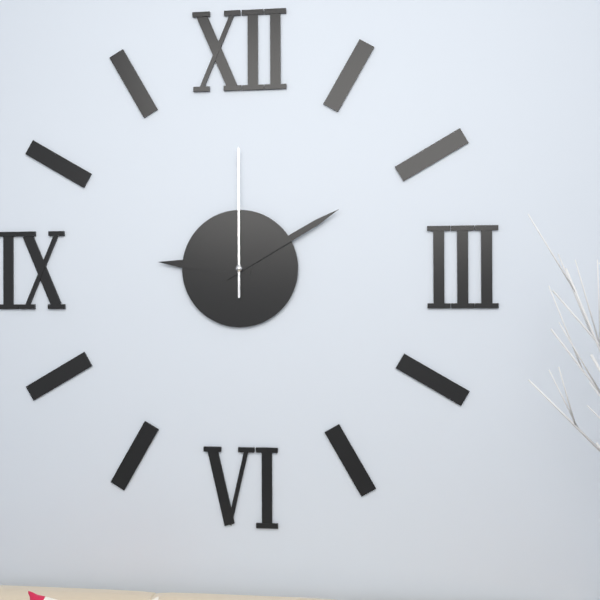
9:10:00
